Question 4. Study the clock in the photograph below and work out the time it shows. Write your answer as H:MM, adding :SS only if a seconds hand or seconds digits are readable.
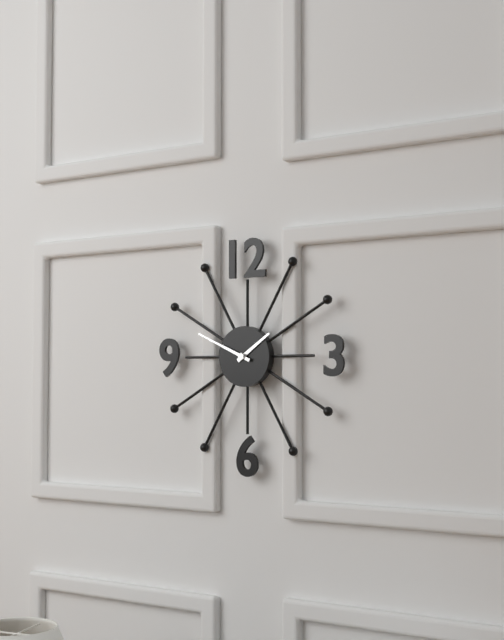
1:49
